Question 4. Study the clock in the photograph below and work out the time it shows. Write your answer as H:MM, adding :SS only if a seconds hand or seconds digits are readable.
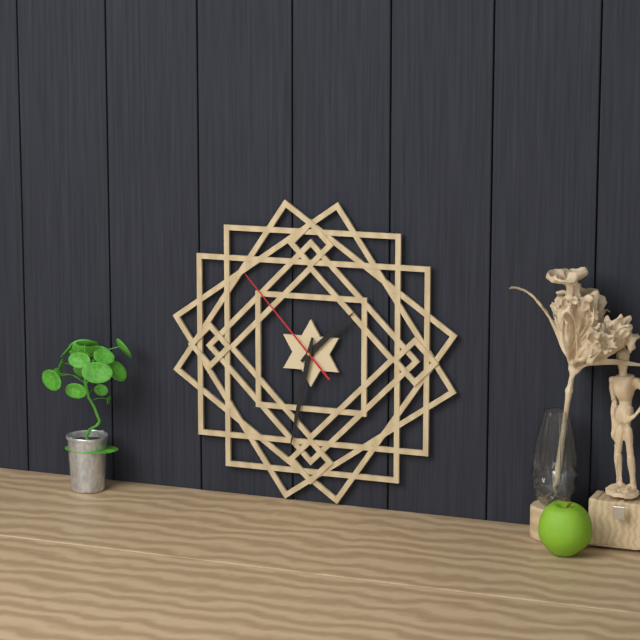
1:32:53
